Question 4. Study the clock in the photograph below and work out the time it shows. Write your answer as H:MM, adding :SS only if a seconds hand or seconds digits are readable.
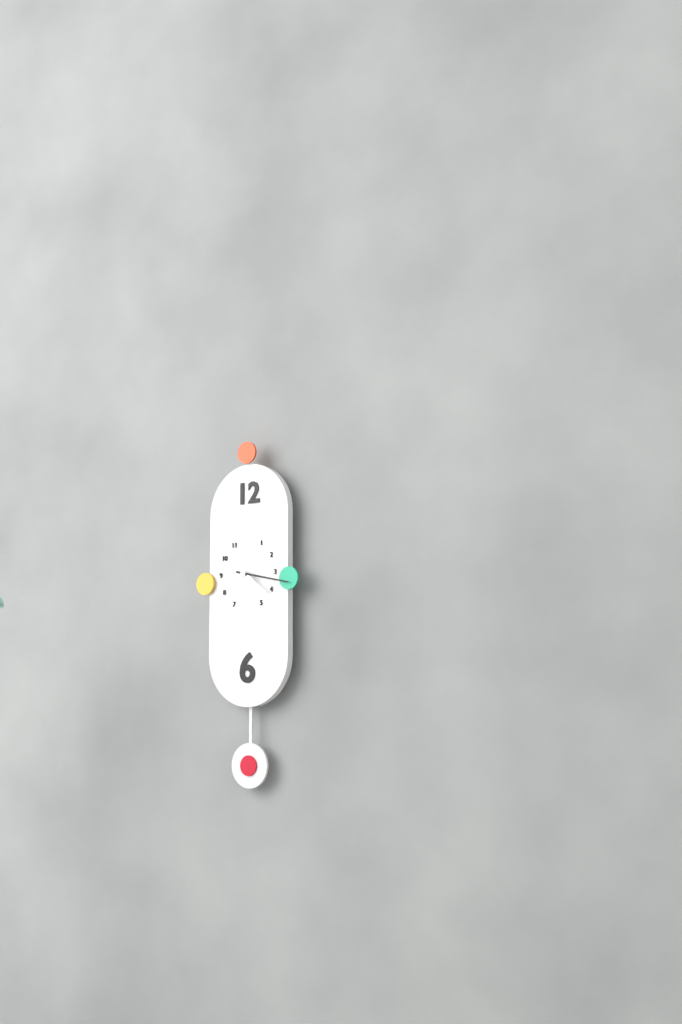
4:17
